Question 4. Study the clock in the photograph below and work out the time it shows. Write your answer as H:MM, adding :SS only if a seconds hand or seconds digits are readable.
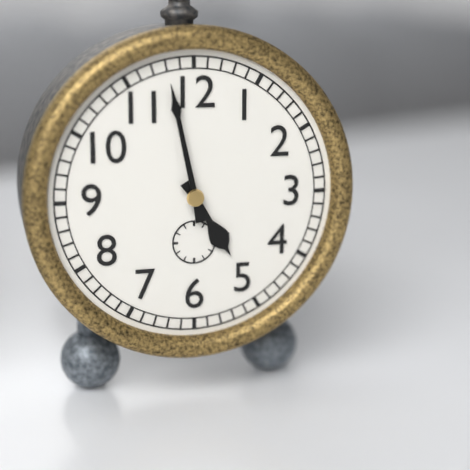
4:58
